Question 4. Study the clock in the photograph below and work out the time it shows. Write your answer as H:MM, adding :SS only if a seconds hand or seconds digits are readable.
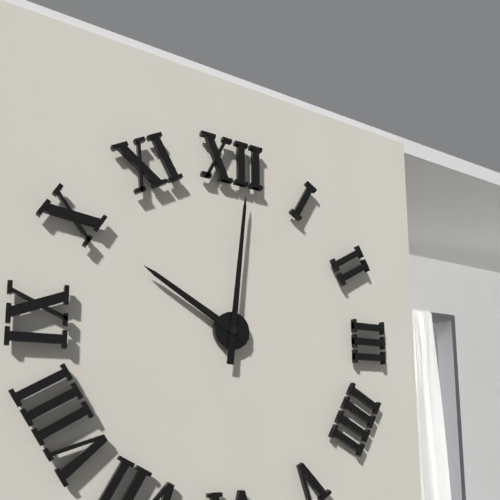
10:01
